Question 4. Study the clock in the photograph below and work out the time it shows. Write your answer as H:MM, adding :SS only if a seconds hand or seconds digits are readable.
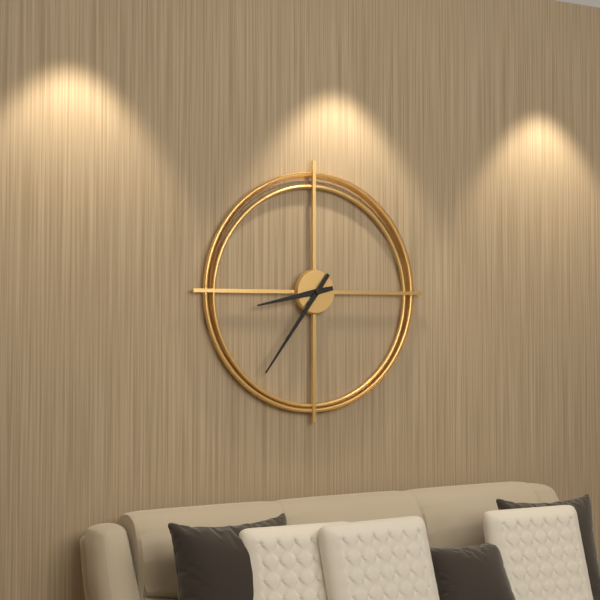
8:36
